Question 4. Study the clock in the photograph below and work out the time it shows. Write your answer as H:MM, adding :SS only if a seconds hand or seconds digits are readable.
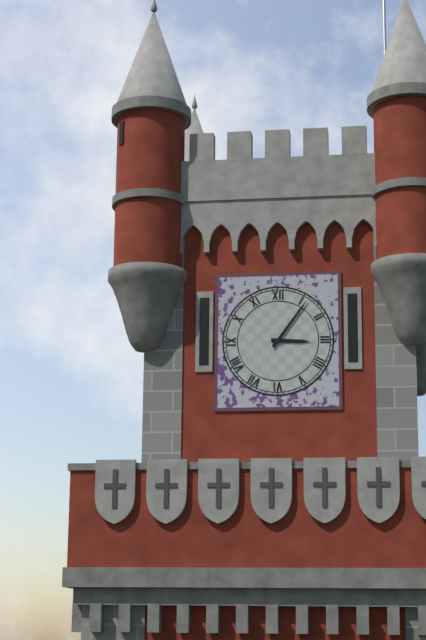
3:06
